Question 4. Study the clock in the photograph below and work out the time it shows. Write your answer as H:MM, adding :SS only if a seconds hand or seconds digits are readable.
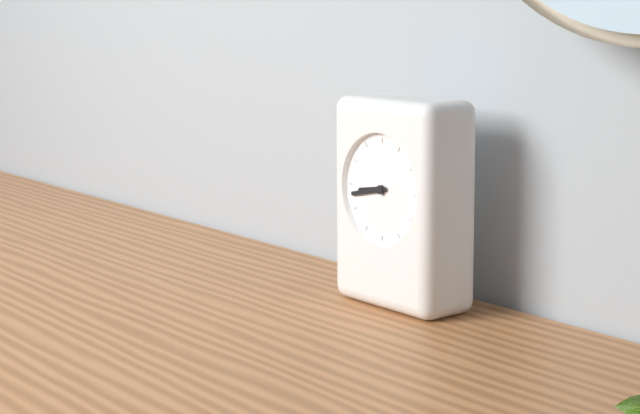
8:43
